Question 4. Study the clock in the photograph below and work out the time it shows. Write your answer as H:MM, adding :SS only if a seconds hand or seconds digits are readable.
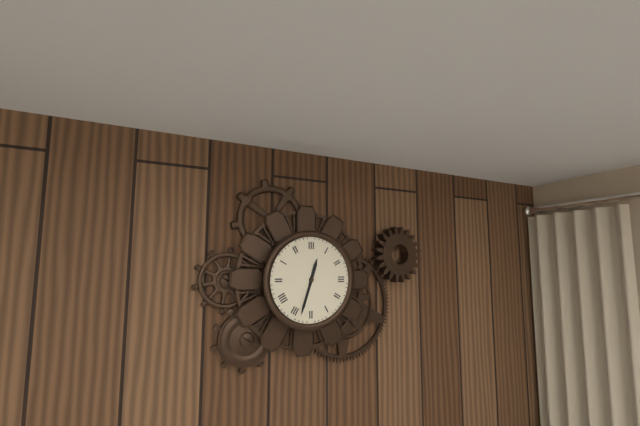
12:33
